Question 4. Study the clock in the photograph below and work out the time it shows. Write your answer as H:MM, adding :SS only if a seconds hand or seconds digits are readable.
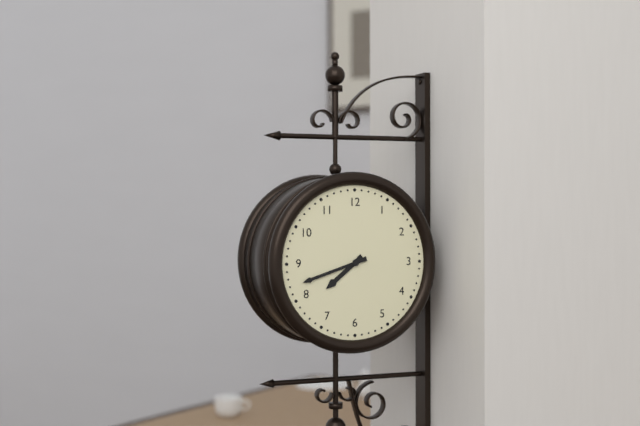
7:42
